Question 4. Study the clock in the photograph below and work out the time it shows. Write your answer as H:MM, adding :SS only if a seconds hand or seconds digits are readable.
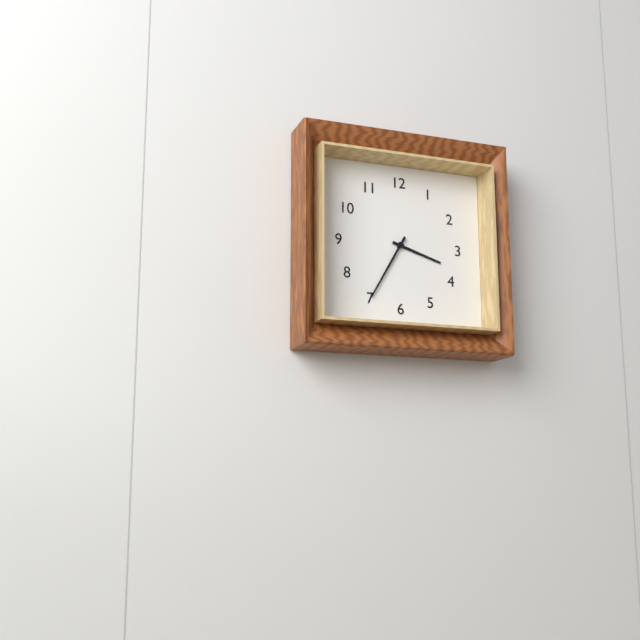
3:35
